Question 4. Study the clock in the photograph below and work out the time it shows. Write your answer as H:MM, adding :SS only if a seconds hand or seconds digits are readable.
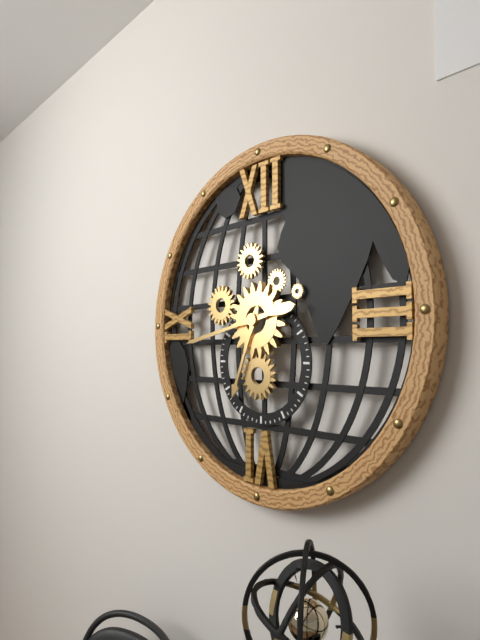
6:43
